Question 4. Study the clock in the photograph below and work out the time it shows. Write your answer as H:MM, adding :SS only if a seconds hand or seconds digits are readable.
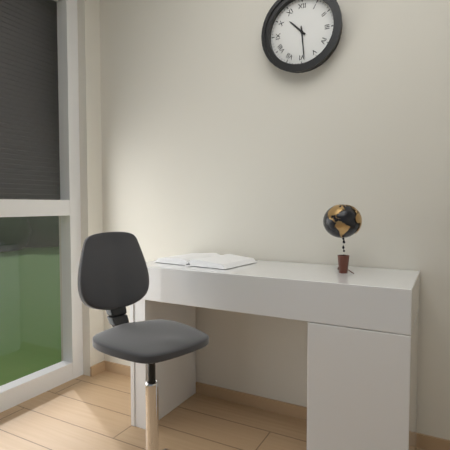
10:29
